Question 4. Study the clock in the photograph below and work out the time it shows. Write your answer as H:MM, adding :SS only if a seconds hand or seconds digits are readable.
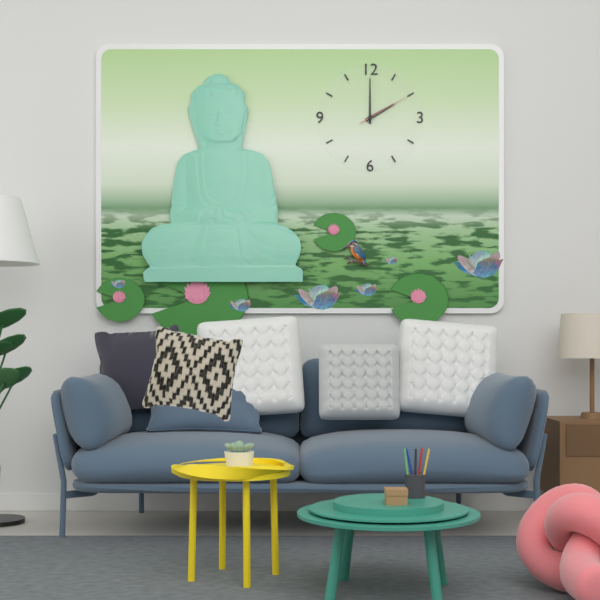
2:00:10
